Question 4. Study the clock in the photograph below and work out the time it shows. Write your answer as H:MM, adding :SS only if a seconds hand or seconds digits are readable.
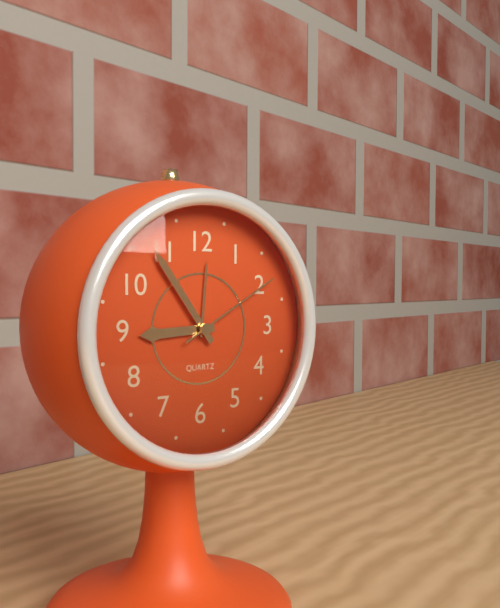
8:54:10
